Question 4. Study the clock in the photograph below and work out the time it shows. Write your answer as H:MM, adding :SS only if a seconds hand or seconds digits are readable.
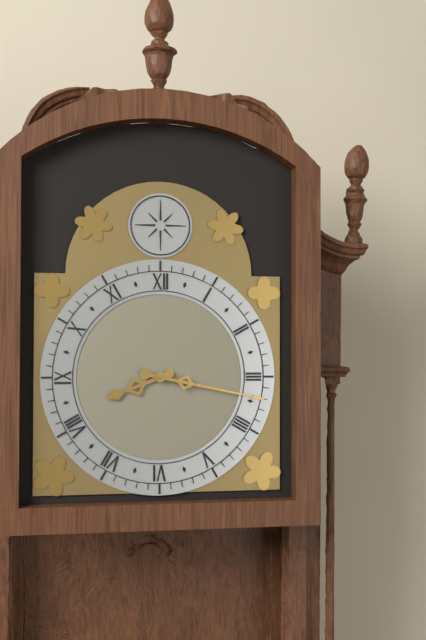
8:17
